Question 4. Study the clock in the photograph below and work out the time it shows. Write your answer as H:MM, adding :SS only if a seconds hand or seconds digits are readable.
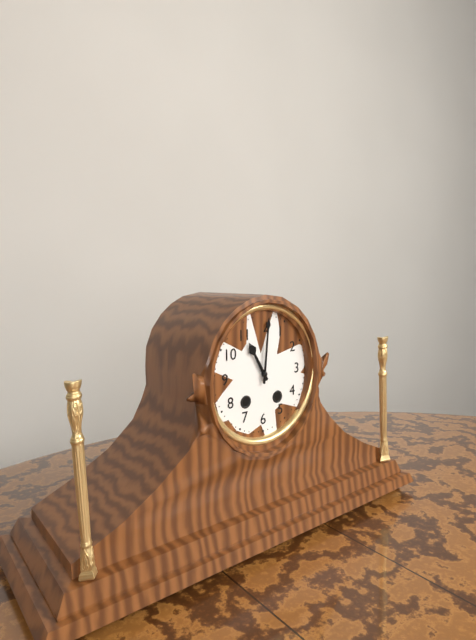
11:01
